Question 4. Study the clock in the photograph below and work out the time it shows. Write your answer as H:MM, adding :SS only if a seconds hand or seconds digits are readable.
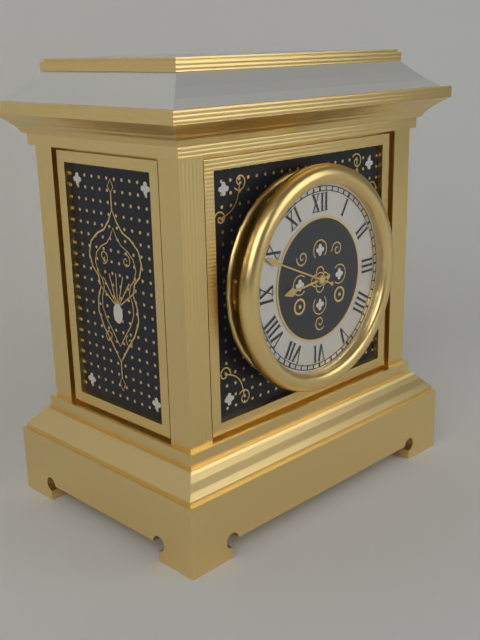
8:49
